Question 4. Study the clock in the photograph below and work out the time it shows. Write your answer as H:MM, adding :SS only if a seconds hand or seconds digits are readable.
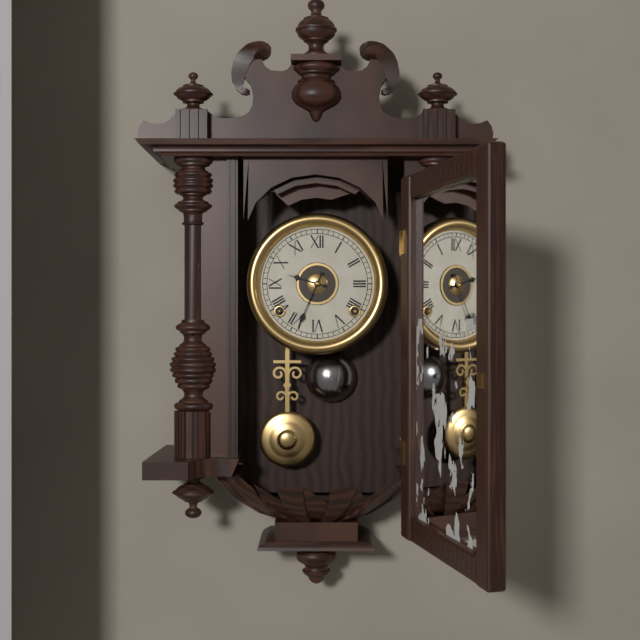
9:34
